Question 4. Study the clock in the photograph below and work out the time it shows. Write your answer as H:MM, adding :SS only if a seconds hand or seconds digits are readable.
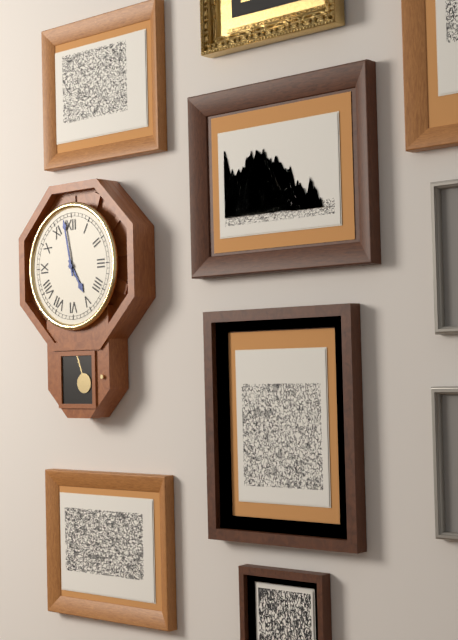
4:58
